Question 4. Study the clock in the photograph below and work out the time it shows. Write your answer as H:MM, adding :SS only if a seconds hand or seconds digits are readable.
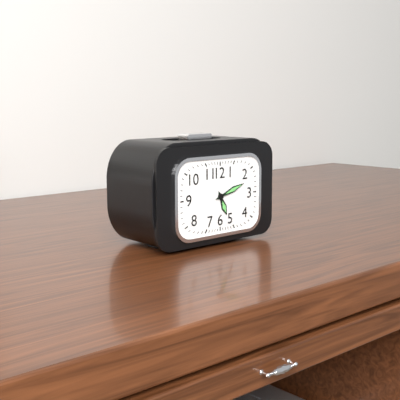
5:12
